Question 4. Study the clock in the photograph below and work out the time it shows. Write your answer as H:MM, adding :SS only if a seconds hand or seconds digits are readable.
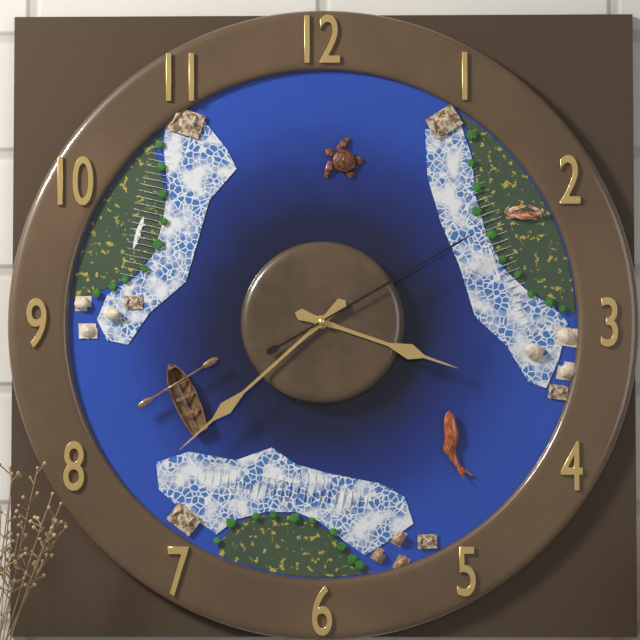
3:38:10
